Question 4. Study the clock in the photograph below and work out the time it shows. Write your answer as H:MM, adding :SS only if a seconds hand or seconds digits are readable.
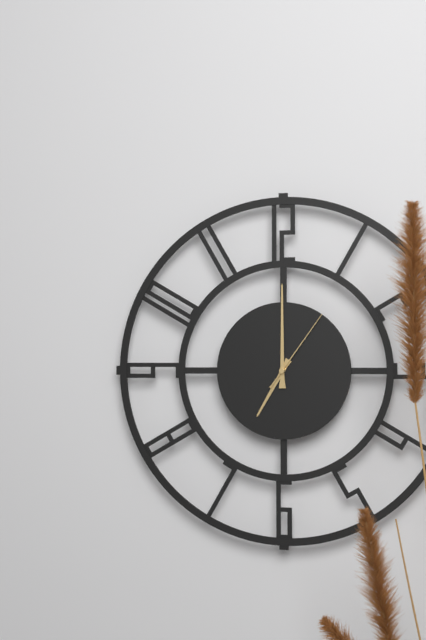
7:00:06
